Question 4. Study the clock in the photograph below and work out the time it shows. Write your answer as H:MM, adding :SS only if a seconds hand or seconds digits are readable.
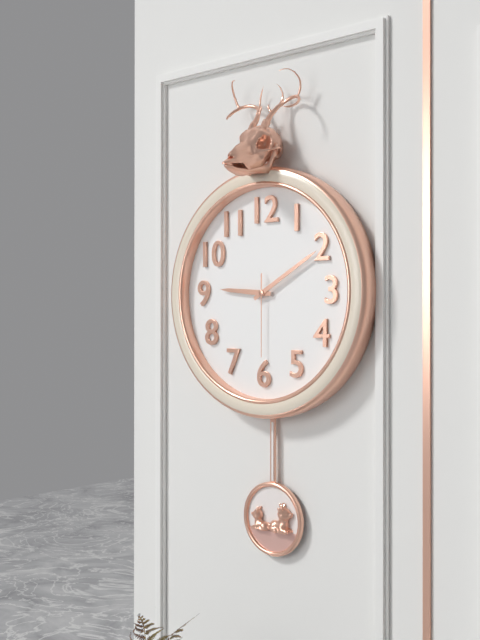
9:10:30
